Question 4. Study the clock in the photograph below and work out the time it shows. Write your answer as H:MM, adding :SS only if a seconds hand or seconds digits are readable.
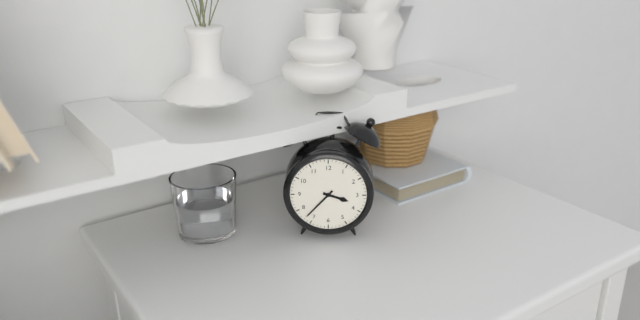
3:37
